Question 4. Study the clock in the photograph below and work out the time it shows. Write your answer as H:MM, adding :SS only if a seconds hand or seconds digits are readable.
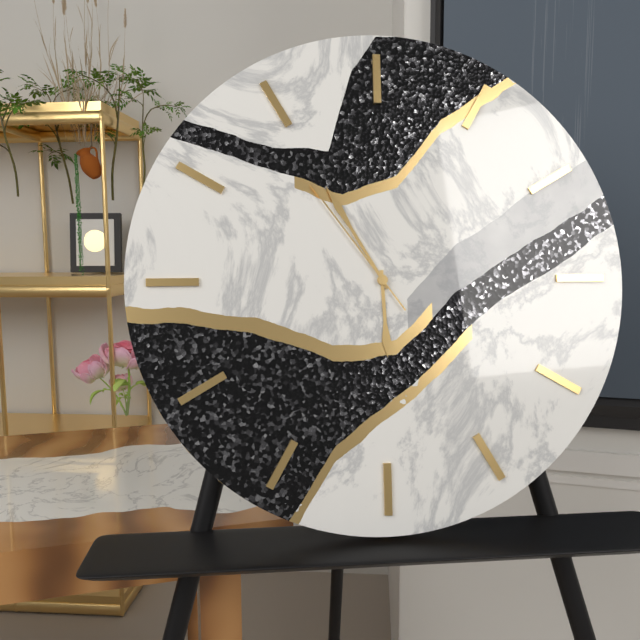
5:55:54
